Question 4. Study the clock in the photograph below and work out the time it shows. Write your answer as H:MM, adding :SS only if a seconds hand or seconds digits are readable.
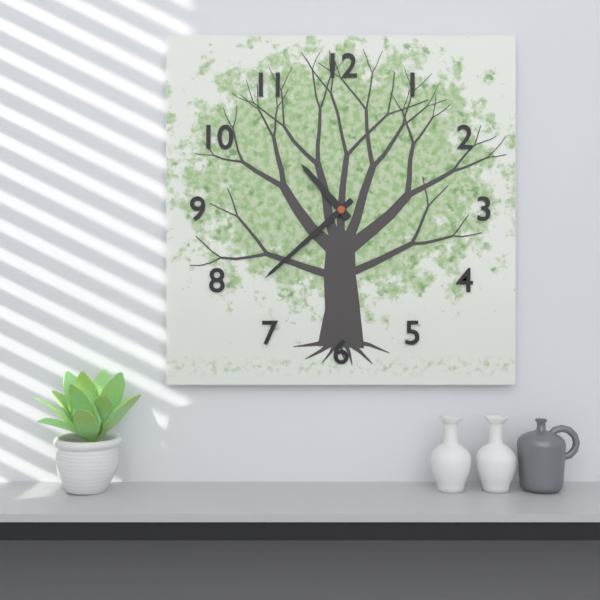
10:38
